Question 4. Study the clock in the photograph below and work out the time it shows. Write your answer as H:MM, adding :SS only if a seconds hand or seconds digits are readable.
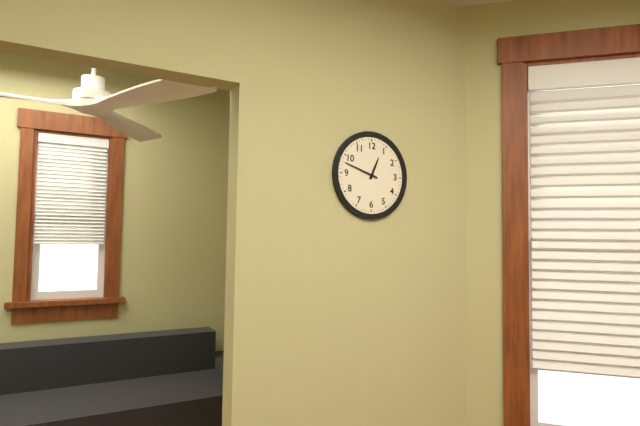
12:48
